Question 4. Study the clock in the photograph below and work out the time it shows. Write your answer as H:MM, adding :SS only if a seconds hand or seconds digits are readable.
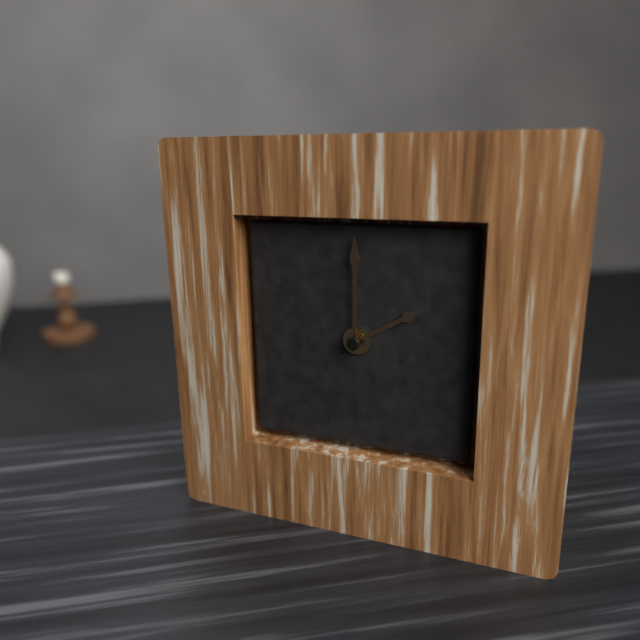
2:00
